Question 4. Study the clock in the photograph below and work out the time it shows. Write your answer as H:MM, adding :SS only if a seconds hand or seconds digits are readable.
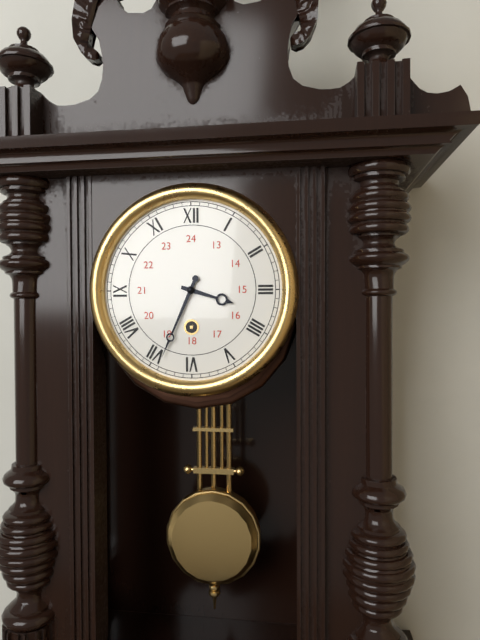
3:34
